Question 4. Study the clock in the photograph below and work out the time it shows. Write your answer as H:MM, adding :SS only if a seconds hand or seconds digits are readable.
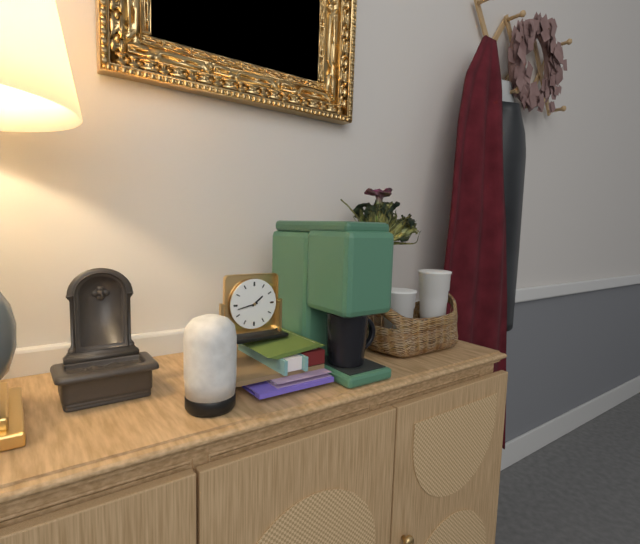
1:43
